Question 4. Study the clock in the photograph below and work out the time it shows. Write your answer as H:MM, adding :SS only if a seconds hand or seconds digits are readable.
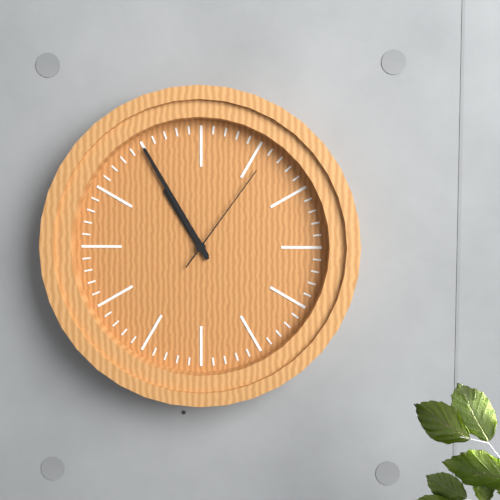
10:55:06
